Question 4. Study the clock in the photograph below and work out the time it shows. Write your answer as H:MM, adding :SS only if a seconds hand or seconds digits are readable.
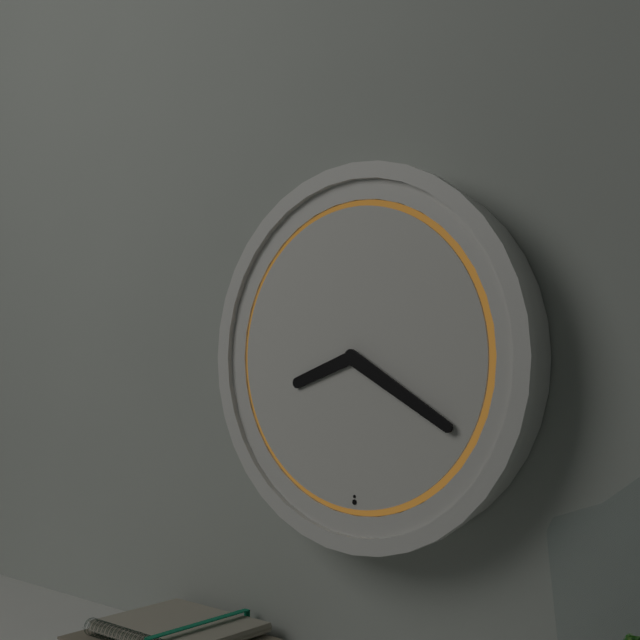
8:20
